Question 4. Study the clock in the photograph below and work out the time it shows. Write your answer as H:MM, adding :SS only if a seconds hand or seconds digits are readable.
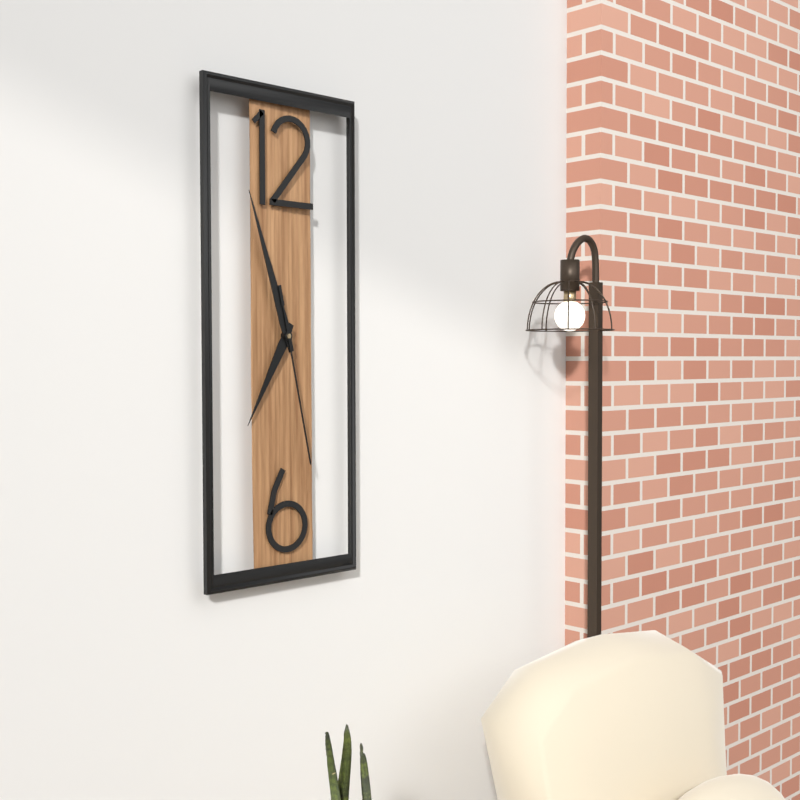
6:57:28
